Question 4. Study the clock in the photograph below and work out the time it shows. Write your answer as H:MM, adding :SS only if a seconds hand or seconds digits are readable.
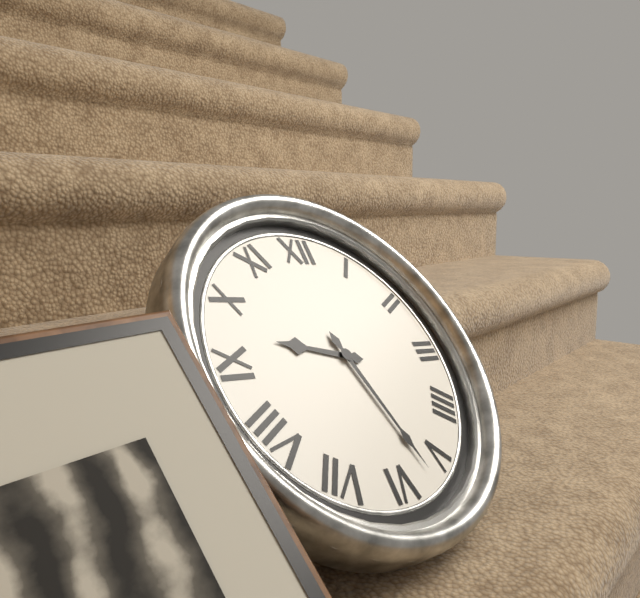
9:27
